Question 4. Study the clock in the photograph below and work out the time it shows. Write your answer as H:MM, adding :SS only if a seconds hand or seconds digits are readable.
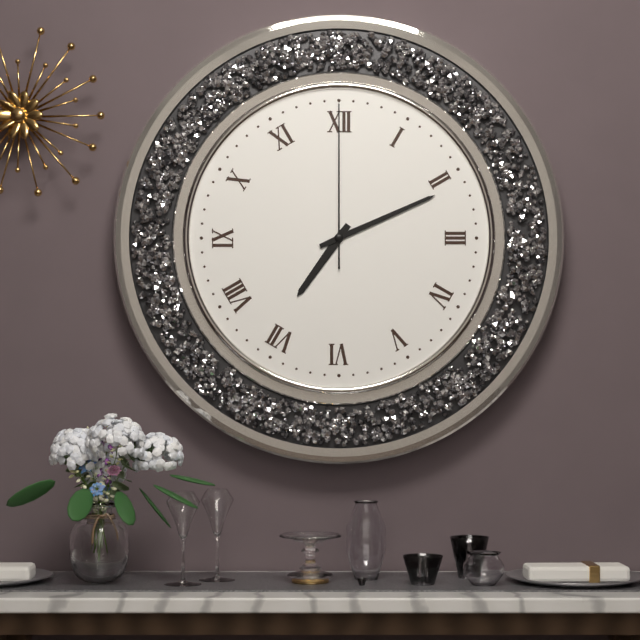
7:11:00
